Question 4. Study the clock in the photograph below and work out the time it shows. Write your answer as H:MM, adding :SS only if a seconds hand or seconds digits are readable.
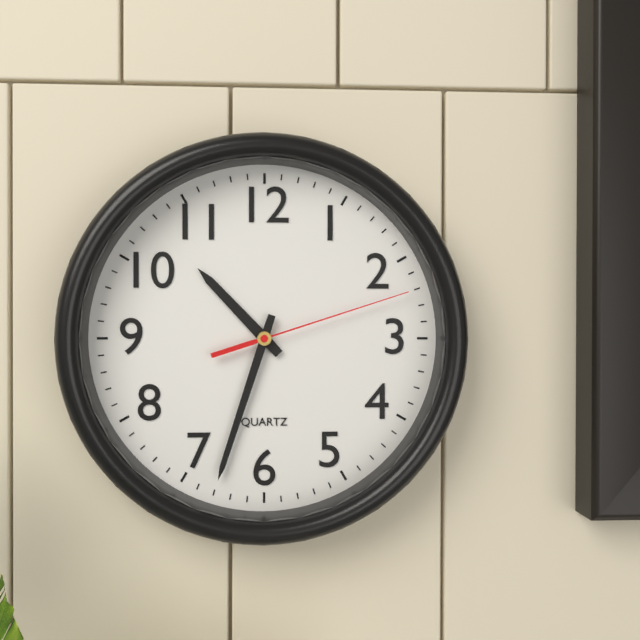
10:33:12
